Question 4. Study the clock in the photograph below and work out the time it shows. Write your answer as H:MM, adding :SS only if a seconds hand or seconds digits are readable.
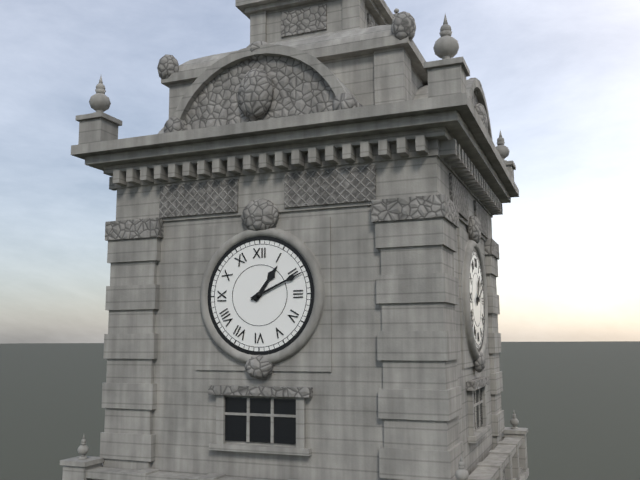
1:11
